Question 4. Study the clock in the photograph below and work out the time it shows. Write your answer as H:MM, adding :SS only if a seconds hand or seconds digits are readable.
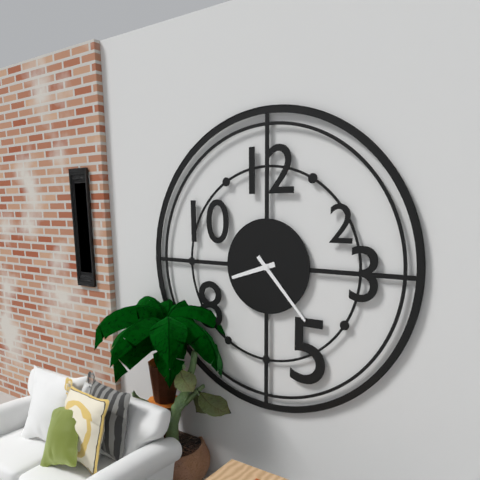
8:23
